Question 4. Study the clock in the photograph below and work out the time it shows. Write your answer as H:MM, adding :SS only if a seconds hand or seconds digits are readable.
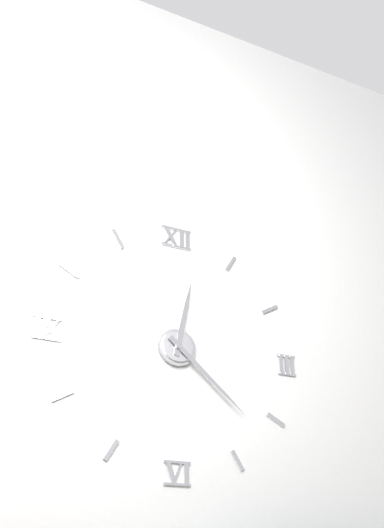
12:22
